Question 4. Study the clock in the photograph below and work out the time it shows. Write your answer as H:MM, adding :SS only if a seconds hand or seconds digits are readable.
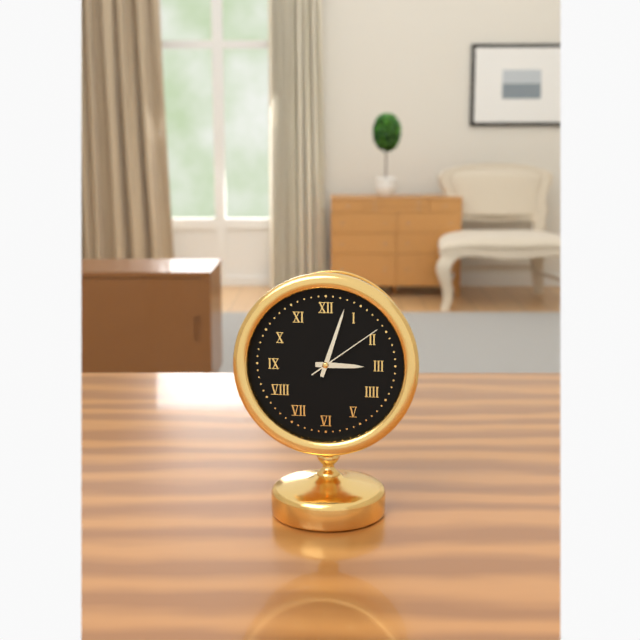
3:03:09
